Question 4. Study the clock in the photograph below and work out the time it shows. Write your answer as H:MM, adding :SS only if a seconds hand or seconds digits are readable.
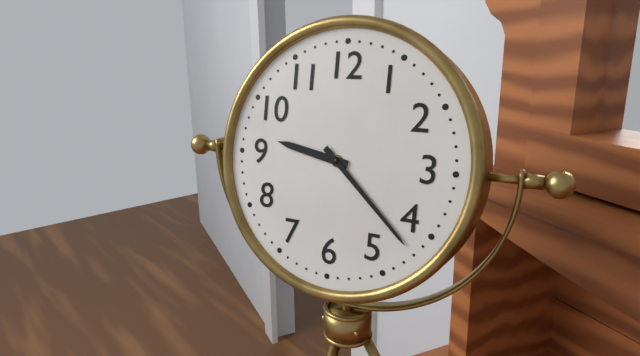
9:22
